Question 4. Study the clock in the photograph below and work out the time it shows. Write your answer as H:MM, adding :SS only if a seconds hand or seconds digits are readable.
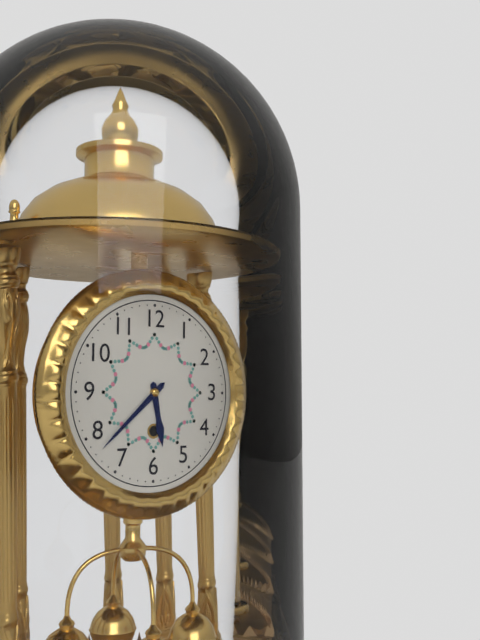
5:38
